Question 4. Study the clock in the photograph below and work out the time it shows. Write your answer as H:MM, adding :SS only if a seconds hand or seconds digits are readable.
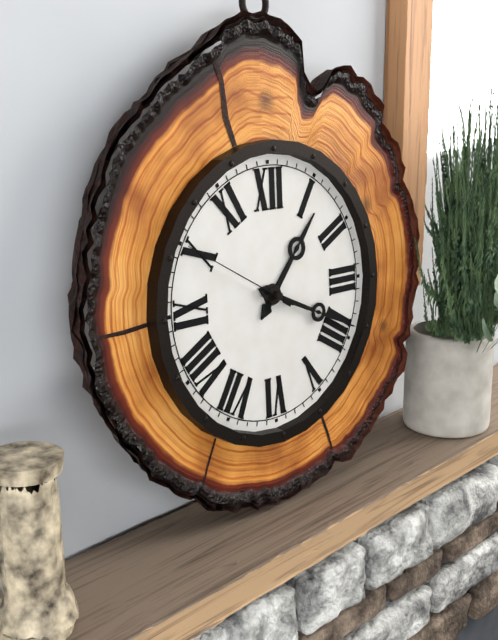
1:19:50
